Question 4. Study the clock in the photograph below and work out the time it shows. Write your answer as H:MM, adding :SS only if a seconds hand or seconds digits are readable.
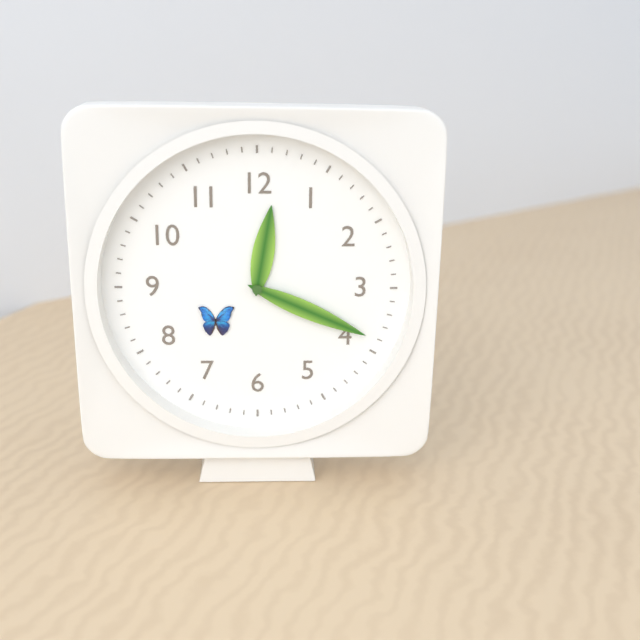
12:19
